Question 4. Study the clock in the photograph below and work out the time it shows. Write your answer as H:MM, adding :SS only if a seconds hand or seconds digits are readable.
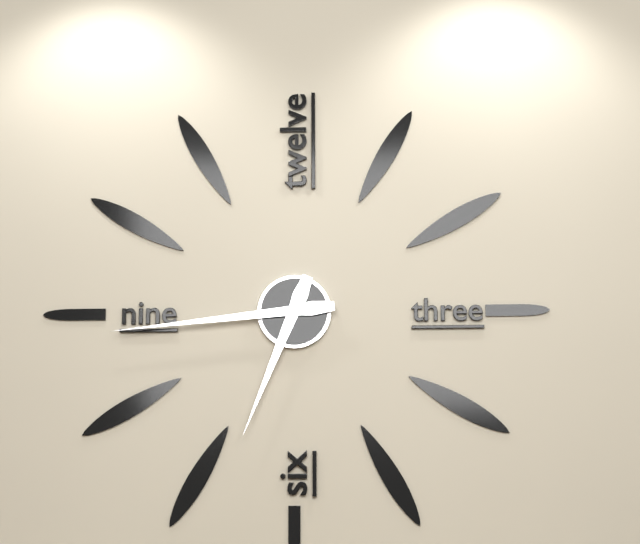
6:44
